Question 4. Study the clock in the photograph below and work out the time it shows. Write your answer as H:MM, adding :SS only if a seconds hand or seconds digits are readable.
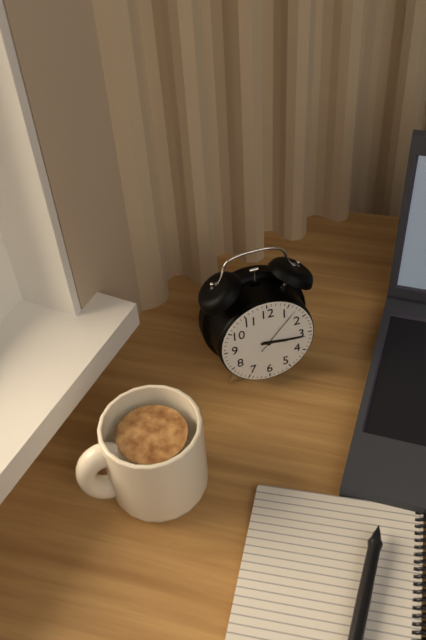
3:16:07
